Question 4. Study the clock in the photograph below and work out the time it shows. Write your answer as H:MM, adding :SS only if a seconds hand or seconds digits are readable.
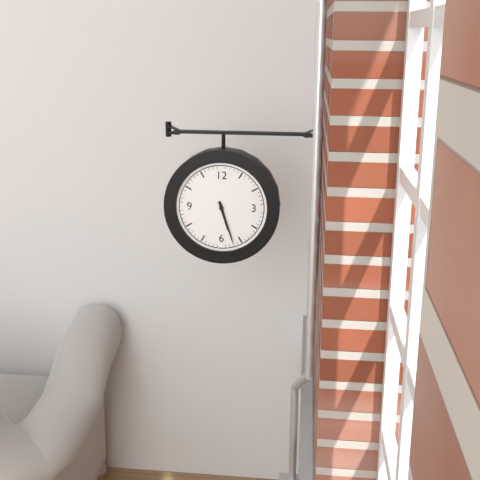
5:27
